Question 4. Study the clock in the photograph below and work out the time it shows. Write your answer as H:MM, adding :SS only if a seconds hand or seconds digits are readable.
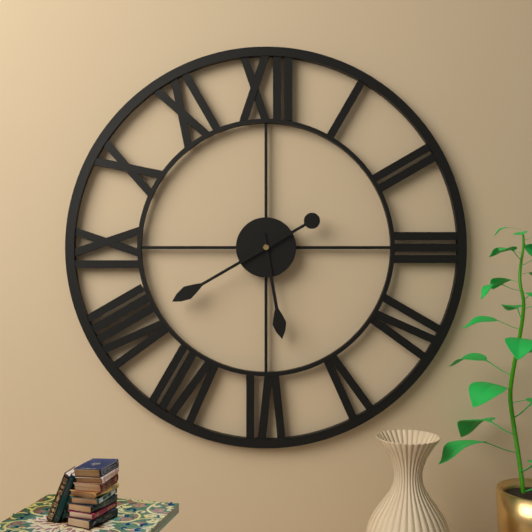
5:40
